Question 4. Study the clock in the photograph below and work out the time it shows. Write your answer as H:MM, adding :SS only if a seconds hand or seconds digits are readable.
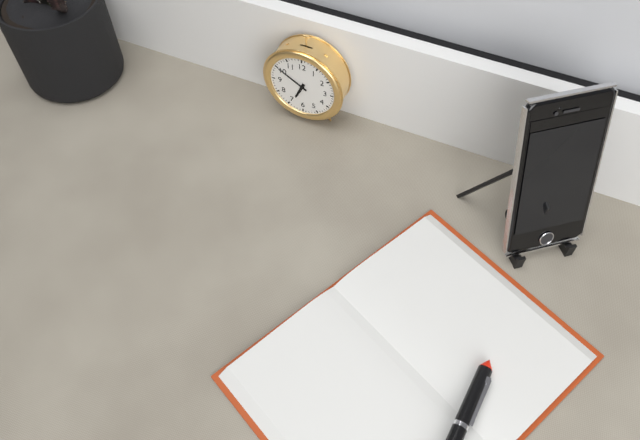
6:50
